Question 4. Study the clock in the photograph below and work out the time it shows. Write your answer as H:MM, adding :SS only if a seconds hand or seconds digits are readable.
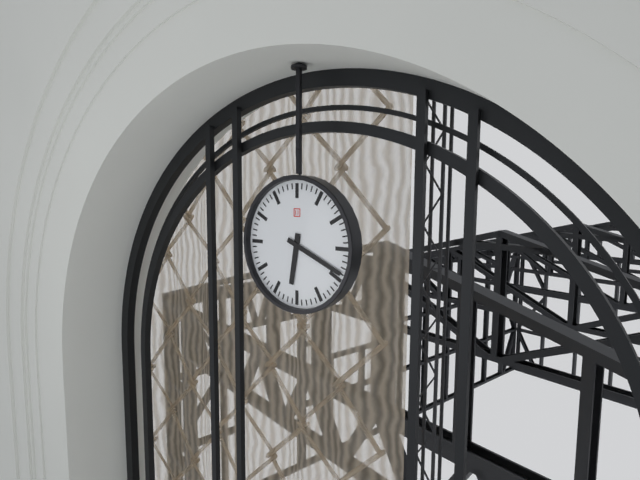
6:19
